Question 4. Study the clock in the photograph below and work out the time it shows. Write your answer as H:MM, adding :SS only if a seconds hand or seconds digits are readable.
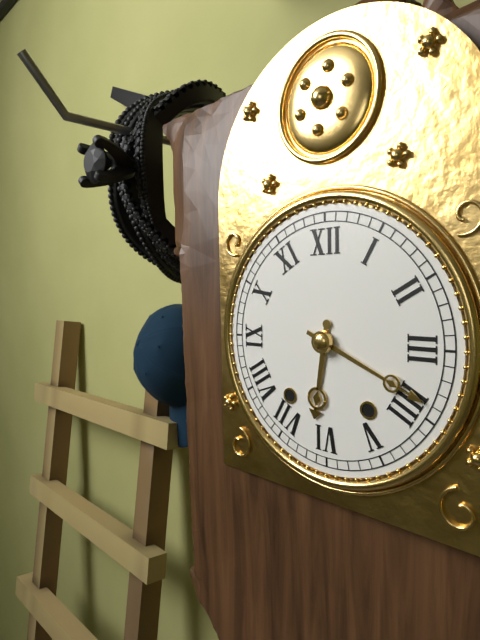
6:19
